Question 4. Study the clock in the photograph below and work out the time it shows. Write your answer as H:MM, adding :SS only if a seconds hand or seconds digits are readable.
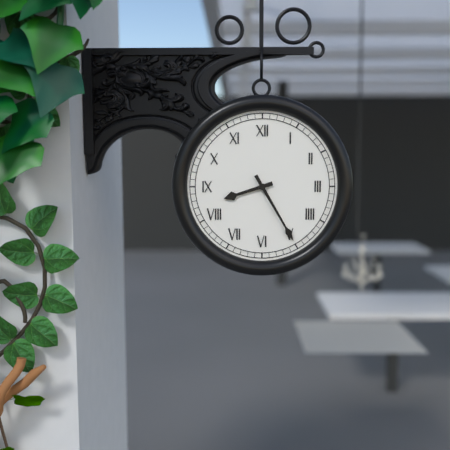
8:25
